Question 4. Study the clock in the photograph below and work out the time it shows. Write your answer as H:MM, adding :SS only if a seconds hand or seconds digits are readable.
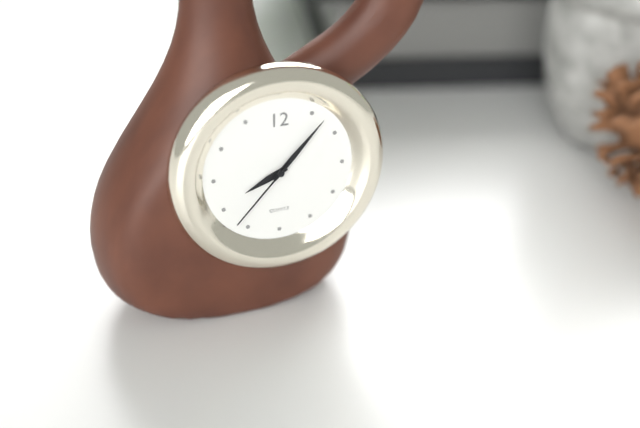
8:07:37
